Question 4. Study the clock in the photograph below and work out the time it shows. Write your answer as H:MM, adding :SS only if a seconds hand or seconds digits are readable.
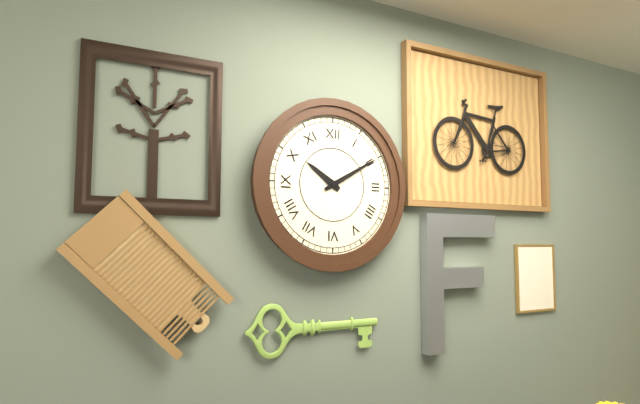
10:10
